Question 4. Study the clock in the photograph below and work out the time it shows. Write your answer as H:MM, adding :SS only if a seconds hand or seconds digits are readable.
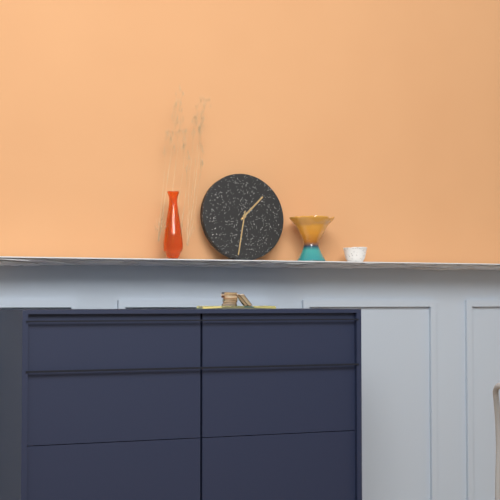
1:32
